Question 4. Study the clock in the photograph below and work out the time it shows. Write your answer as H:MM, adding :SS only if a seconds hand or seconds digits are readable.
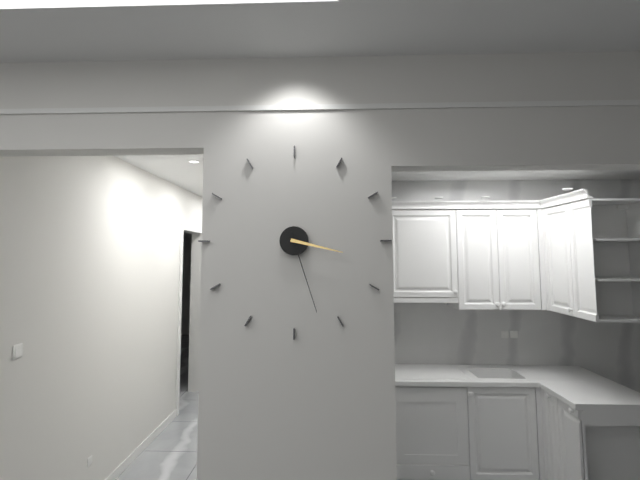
3:27
